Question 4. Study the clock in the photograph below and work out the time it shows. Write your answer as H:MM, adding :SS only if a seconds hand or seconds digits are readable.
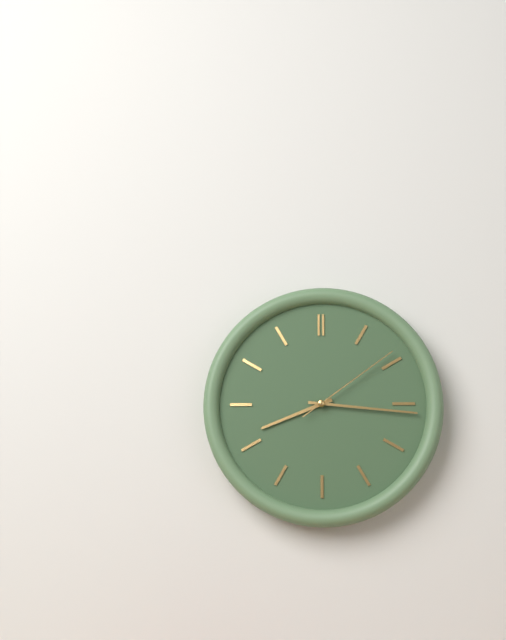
8:16:09
